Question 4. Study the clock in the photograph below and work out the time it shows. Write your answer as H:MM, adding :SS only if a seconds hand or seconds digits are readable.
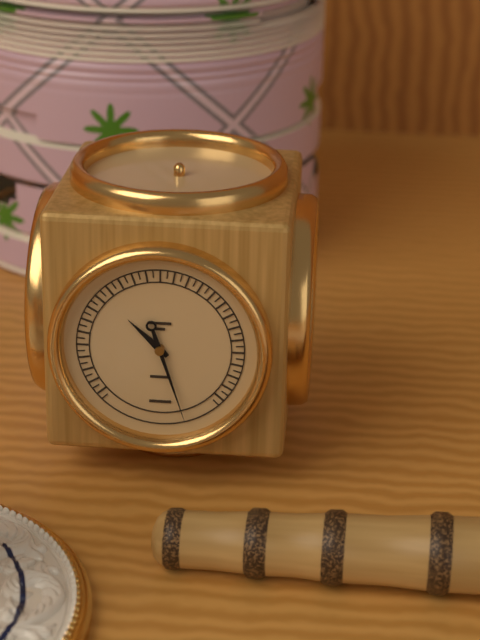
10:27
